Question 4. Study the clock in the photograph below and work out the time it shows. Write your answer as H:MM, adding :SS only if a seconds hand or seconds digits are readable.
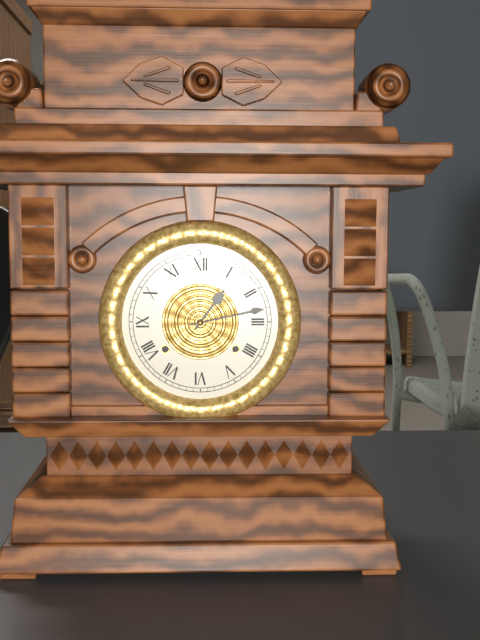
1:13
